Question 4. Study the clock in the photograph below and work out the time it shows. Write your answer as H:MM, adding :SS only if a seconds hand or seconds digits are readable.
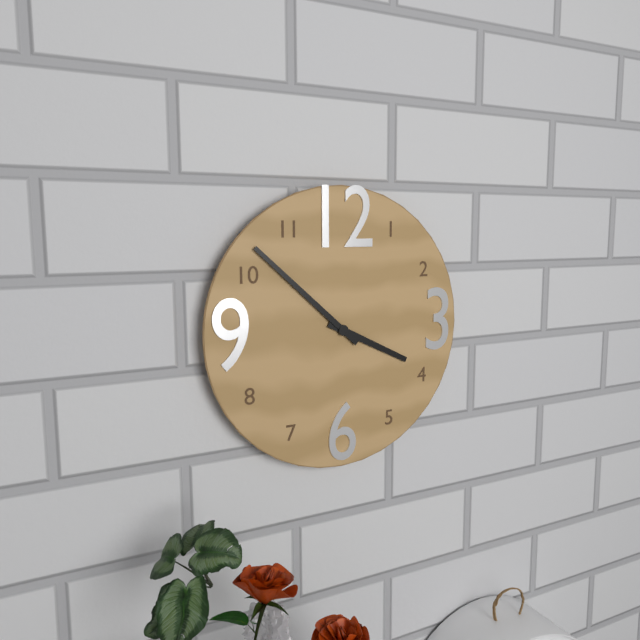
3:52
